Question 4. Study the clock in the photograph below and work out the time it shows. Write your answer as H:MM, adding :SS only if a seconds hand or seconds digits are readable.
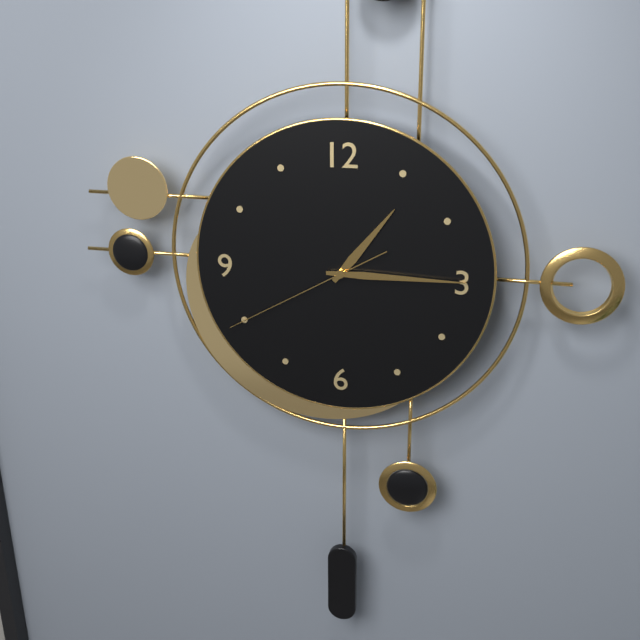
1:15:40
